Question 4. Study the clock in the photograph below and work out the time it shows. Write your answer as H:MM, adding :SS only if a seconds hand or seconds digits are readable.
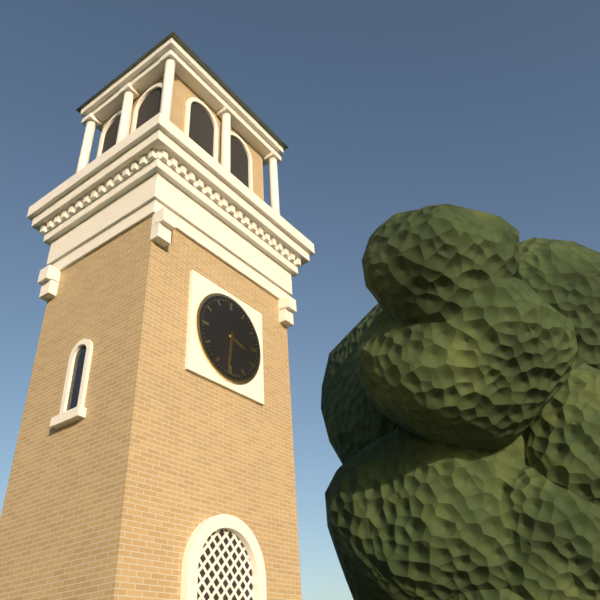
3:31
